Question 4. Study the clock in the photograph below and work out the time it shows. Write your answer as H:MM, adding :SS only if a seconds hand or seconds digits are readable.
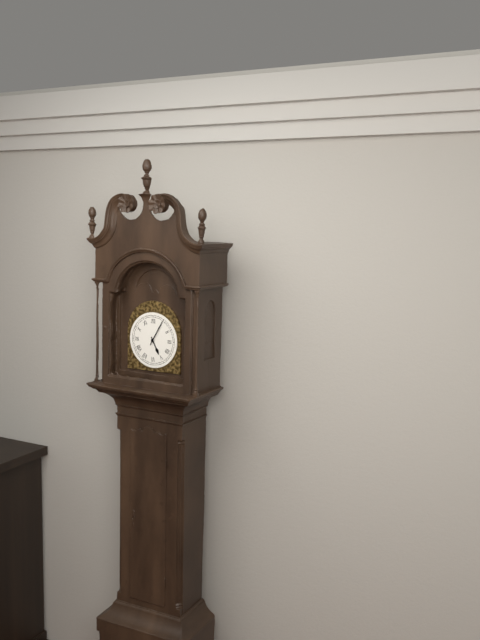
5:05
